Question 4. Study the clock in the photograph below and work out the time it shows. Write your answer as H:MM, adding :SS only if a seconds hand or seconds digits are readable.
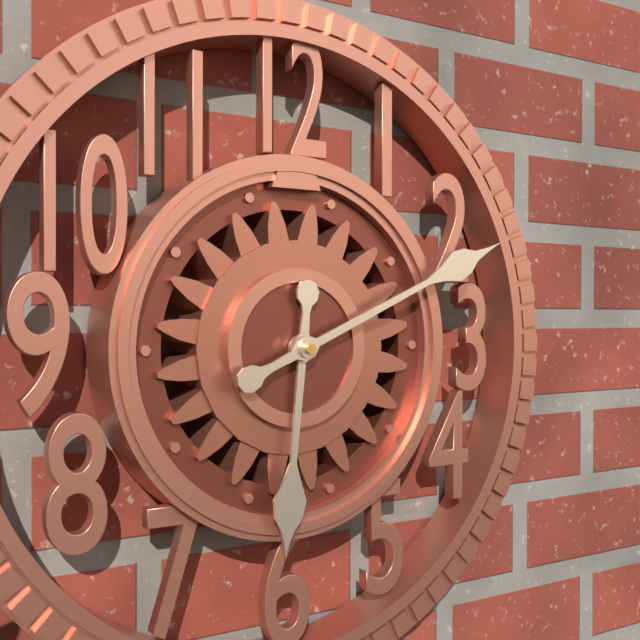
6:11
